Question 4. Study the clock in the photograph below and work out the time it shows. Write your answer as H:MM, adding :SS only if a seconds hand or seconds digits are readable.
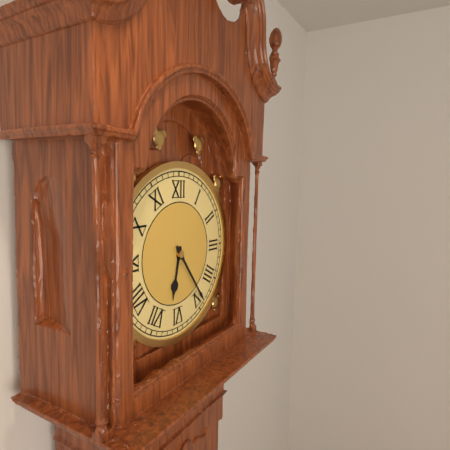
6:24
